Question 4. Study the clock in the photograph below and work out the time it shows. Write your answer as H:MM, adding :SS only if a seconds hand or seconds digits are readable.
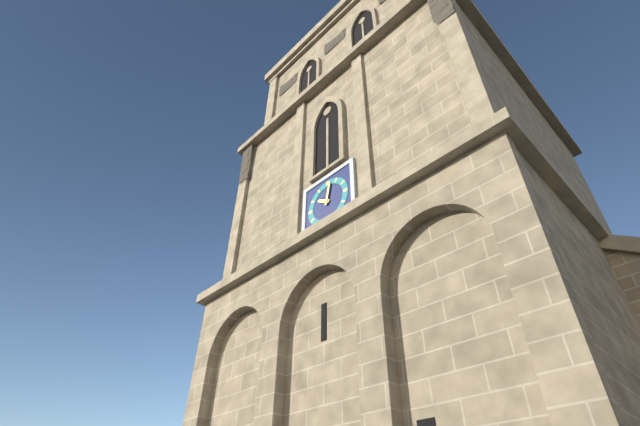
10:02
